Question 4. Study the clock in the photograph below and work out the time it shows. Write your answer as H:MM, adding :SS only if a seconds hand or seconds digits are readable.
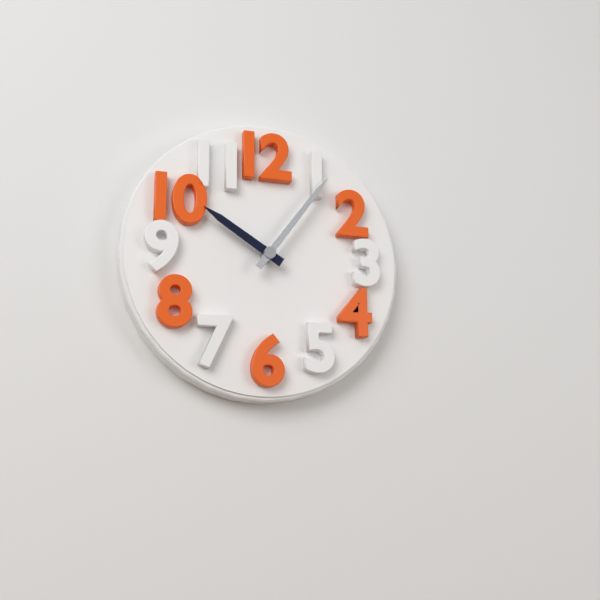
10:06
